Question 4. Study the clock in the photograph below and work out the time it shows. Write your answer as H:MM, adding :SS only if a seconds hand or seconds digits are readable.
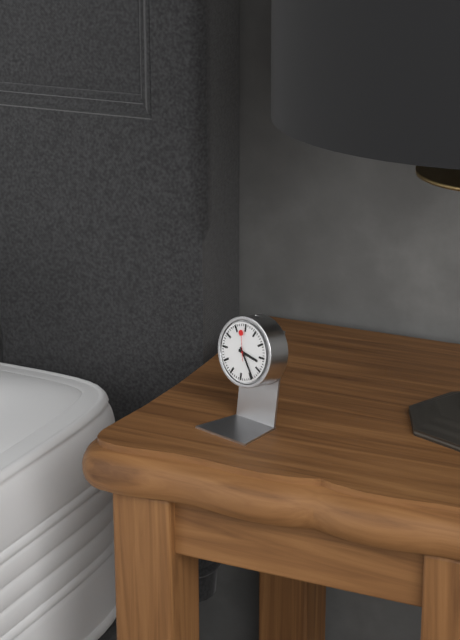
3:24
